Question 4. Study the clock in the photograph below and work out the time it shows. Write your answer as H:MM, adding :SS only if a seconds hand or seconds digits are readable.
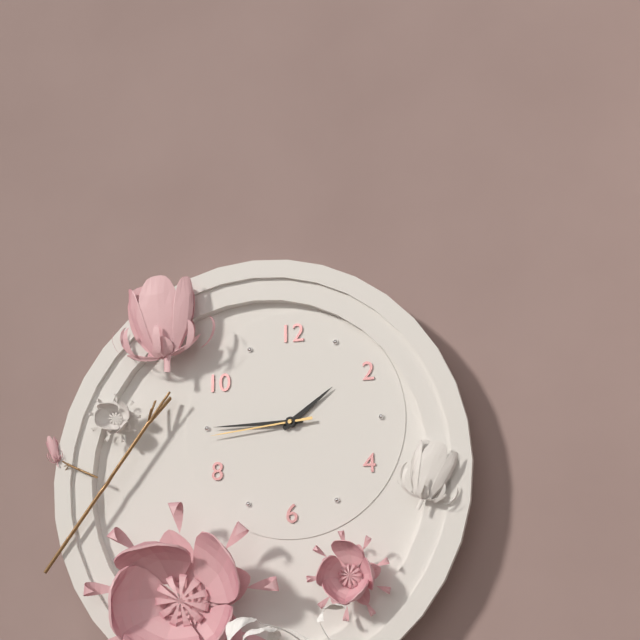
1:45:44
